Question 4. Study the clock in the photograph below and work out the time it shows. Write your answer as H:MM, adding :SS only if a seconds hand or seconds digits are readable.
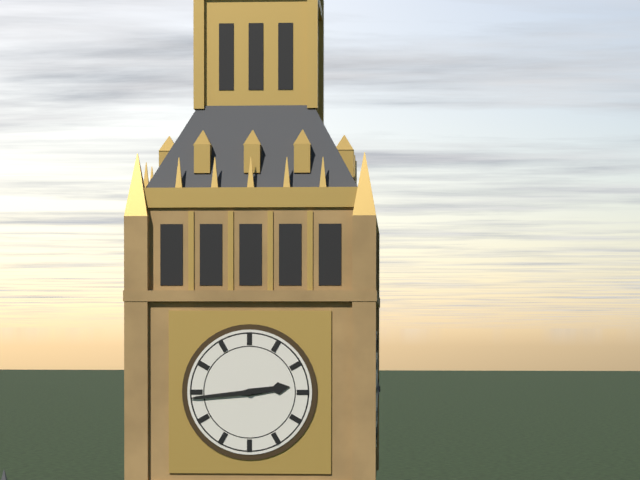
2:44
